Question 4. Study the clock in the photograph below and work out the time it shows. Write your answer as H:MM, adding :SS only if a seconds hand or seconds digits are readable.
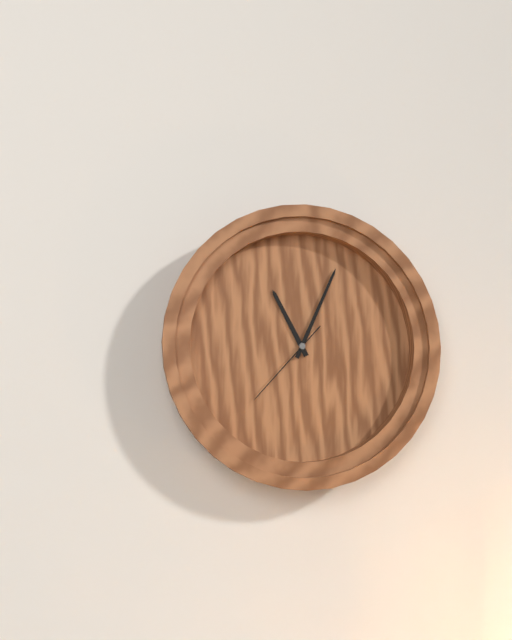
11:04:37
